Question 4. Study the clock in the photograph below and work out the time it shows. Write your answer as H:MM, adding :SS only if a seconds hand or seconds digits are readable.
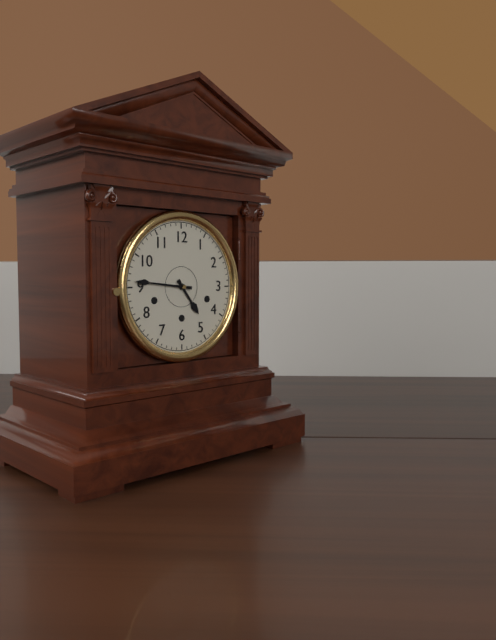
4:46
